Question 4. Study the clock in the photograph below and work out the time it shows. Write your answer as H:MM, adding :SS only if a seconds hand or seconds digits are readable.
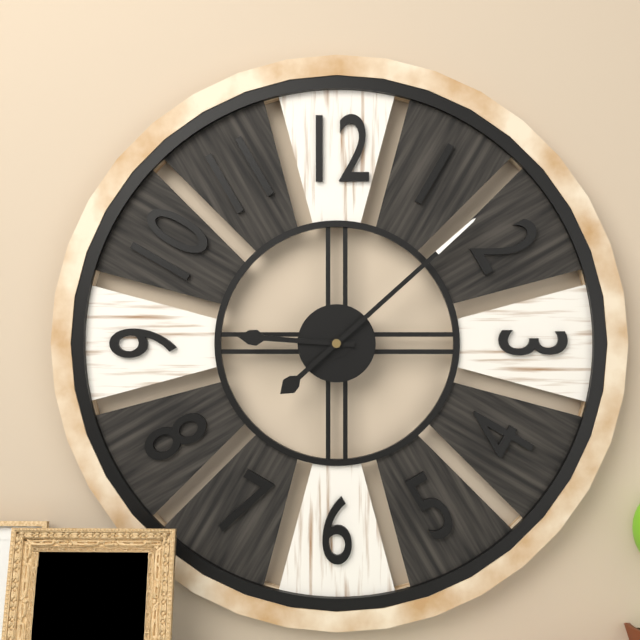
9:08
